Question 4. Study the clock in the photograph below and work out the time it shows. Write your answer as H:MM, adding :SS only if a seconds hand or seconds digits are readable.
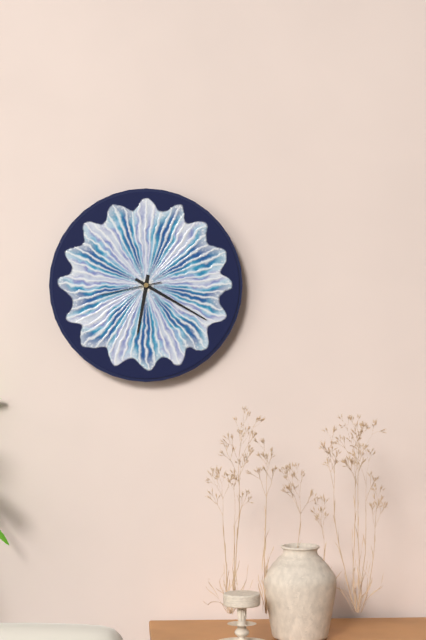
6:20:43
